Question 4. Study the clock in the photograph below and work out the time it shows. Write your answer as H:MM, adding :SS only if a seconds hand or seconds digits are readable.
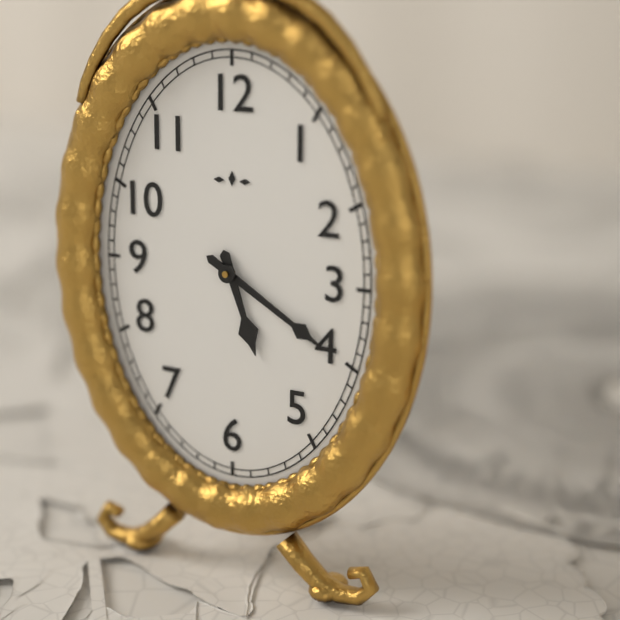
5:20
